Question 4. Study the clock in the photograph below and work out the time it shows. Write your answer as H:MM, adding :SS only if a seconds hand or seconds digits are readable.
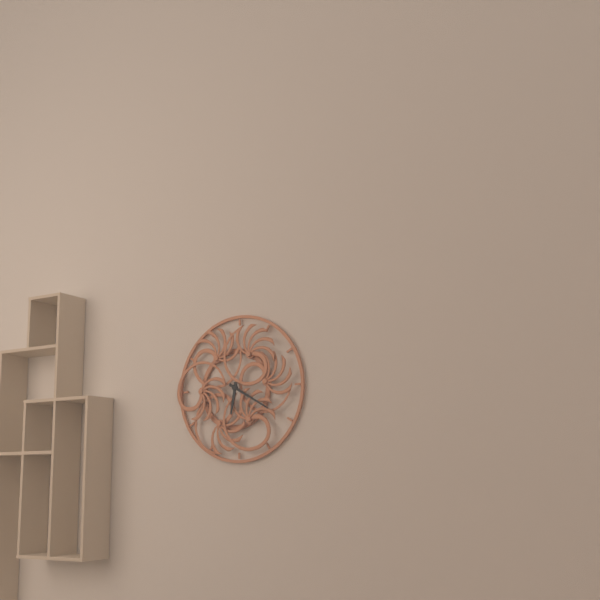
6:20
